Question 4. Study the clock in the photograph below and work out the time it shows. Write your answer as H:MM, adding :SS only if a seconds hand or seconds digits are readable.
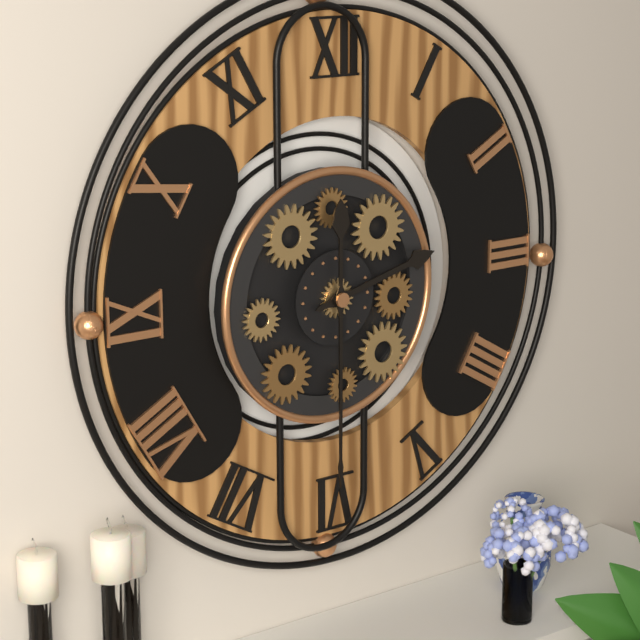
2:30
